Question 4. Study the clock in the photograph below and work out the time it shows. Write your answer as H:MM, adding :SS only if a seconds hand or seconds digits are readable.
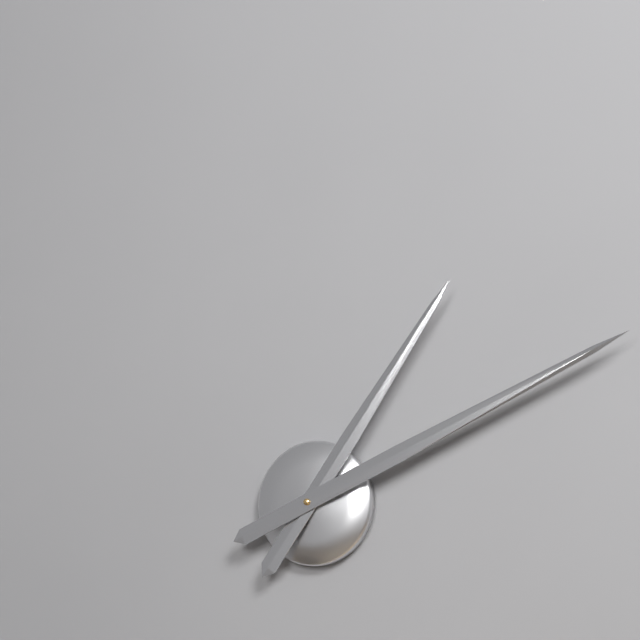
1:11
